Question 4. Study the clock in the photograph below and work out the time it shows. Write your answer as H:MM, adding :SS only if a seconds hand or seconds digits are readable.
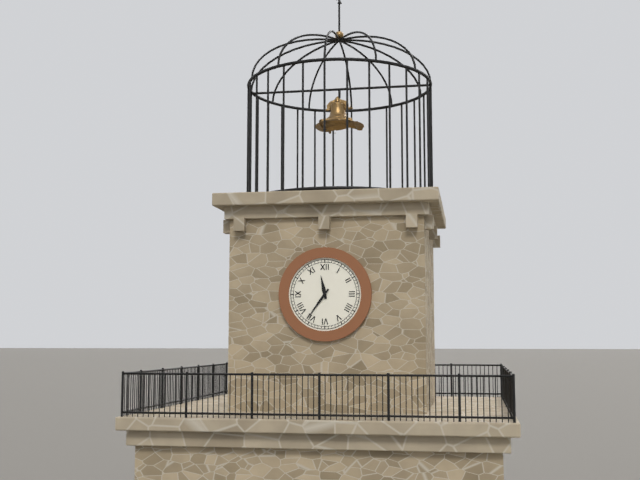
11:36
